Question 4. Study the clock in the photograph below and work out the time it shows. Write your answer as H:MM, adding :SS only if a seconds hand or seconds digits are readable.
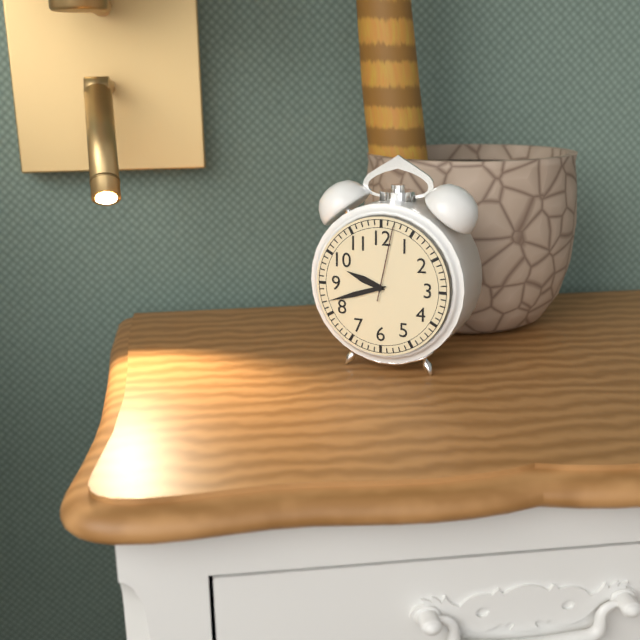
9:42:02
